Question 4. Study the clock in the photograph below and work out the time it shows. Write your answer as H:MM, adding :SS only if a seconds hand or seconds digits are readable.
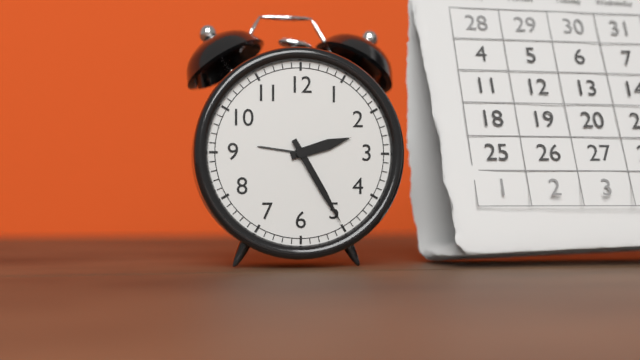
2:25
